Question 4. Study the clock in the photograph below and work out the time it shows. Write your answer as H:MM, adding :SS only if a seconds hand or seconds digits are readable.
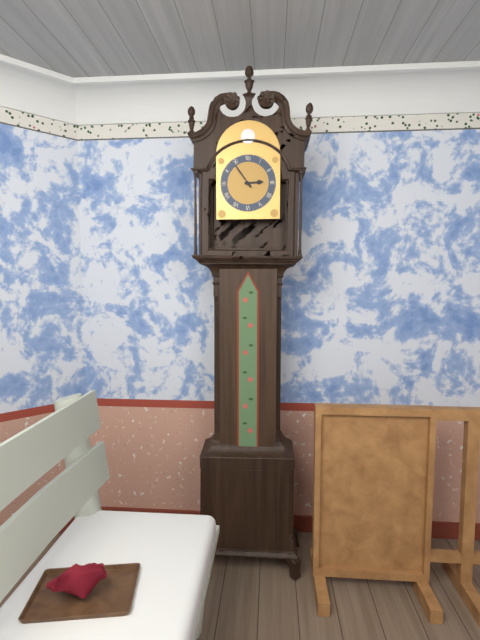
2:54
